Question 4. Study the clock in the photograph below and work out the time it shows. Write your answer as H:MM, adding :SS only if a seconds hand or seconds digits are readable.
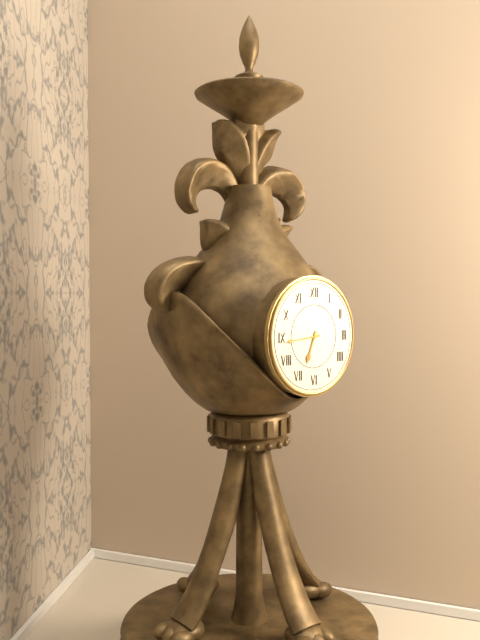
6:44
